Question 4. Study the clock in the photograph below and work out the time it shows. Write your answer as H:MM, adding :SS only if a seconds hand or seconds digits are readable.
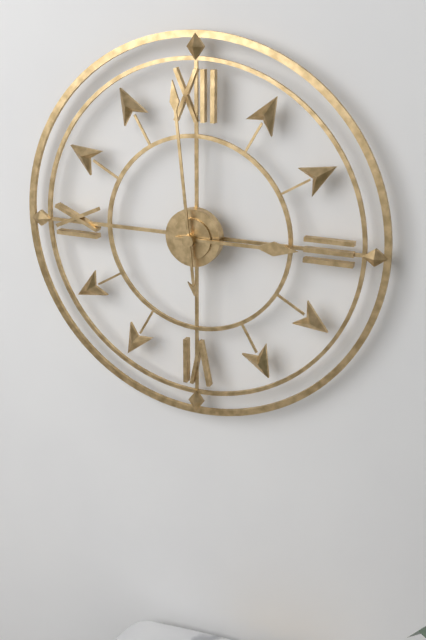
2:59
